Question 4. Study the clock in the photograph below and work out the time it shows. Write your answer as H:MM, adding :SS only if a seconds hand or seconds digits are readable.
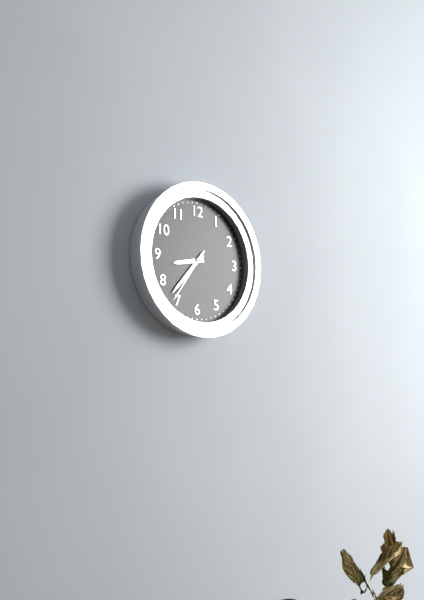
8:37:36
